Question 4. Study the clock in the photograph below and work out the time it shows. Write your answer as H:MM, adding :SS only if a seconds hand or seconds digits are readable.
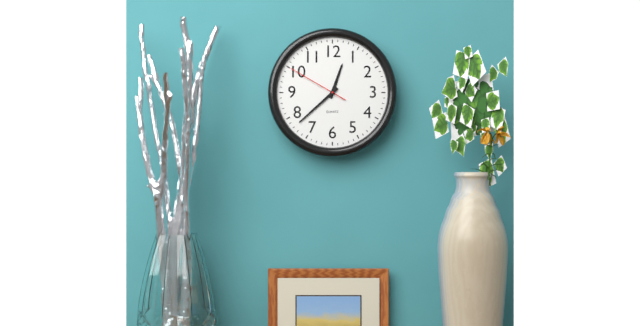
12:38:50
